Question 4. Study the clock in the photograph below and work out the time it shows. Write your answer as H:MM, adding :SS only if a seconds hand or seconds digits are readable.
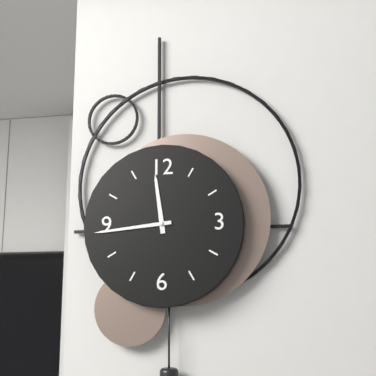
11:44
